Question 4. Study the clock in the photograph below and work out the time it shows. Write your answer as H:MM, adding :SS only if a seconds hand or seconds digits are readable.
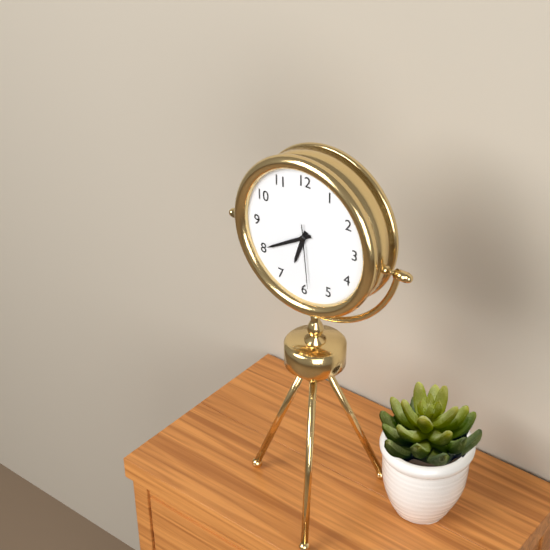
6:40:29
